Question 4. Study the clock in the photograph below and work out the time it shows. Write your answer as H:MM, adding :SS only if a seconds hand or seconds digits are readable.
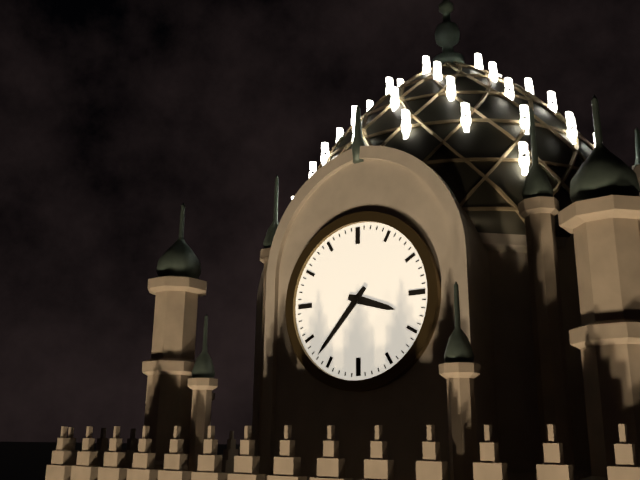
3:37
